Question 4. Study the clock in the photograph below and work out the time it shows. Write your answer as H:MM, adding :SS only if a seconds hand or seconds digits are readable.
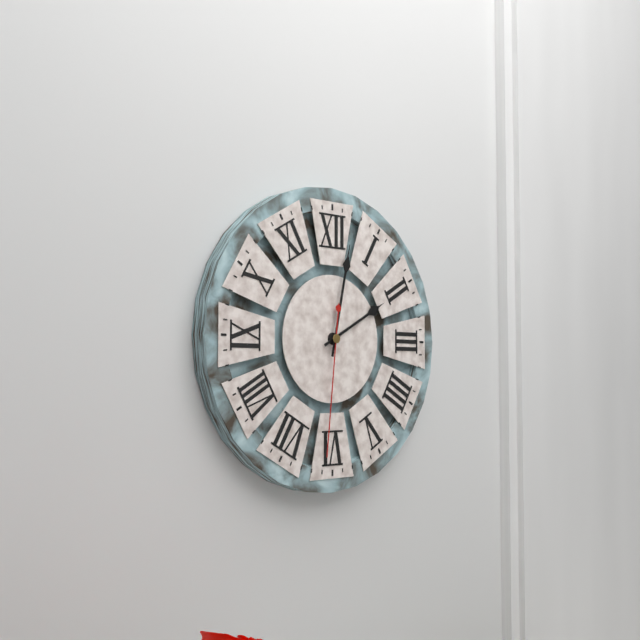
2:02:31
